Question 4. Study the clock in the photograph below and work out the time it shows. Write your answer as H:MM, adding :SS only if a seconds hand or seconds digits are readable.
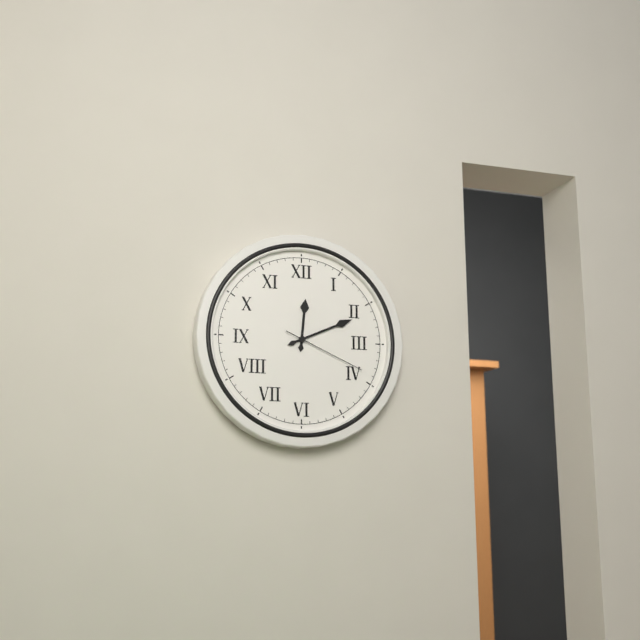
12:11:19
